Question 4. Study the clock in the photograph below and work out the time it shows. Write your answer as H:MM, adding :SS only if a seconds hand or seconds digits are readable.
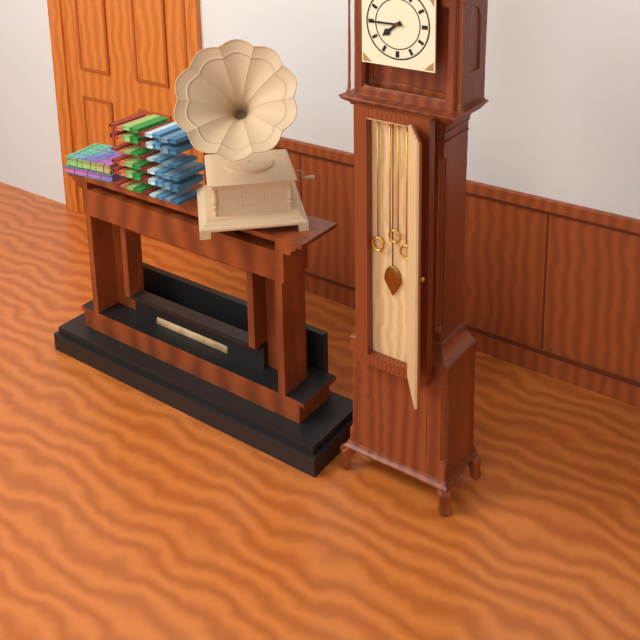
7:45
